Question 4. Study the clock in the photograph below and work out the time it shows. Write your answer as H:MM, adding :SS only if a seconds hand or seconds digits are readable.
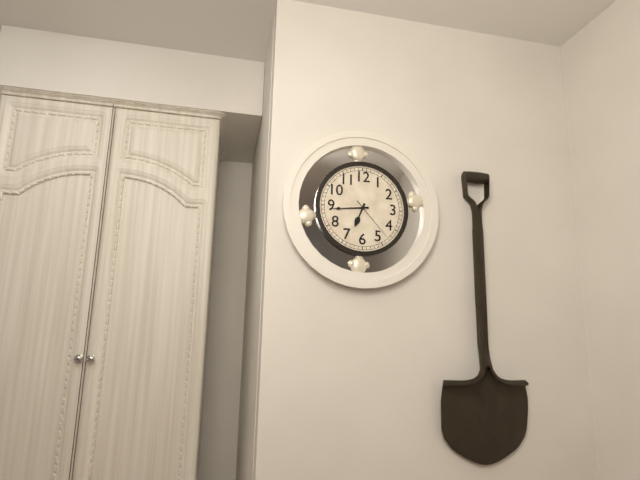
6:44
